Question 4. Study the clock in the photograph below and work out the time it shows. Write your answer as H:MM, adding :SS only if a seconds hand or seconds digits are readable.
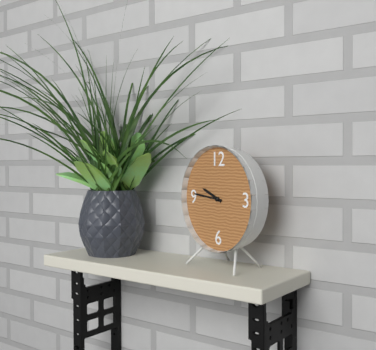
9:46
